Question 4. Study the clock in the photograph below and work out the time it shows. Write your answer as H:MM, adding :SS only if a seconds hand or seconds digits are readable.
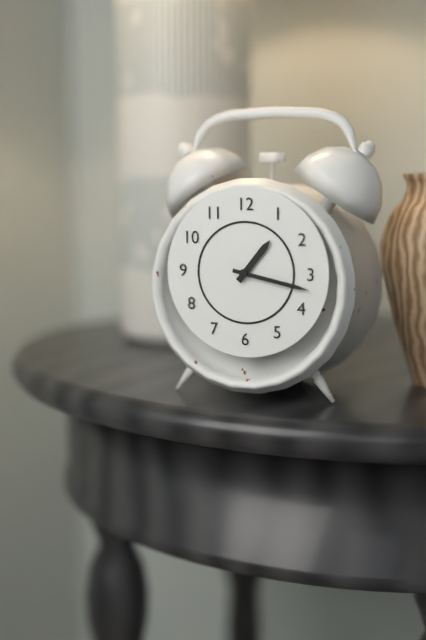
1:17
